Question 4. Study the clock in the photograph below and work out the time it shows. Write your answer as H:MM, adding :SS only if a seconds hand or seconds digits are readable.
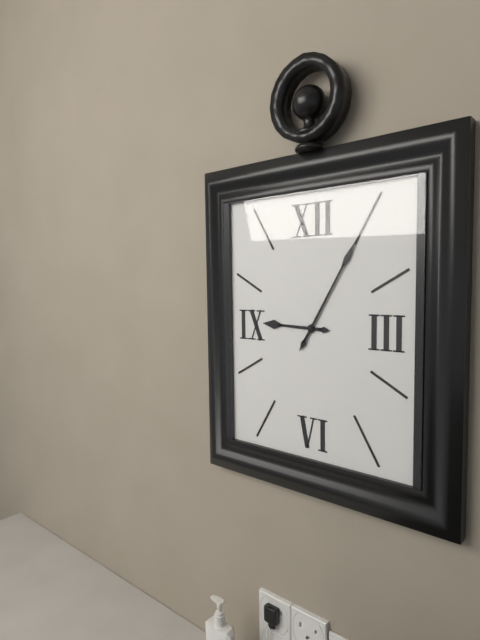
9:05
